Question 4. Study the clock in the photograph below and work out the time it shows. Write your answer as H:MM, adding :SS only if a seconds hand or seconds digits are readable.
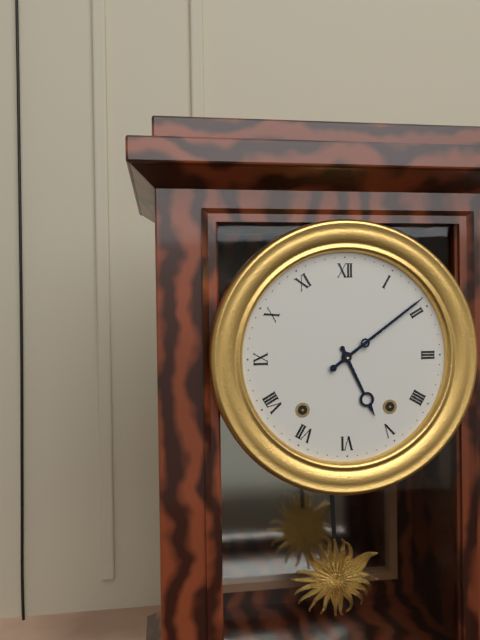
5:09
